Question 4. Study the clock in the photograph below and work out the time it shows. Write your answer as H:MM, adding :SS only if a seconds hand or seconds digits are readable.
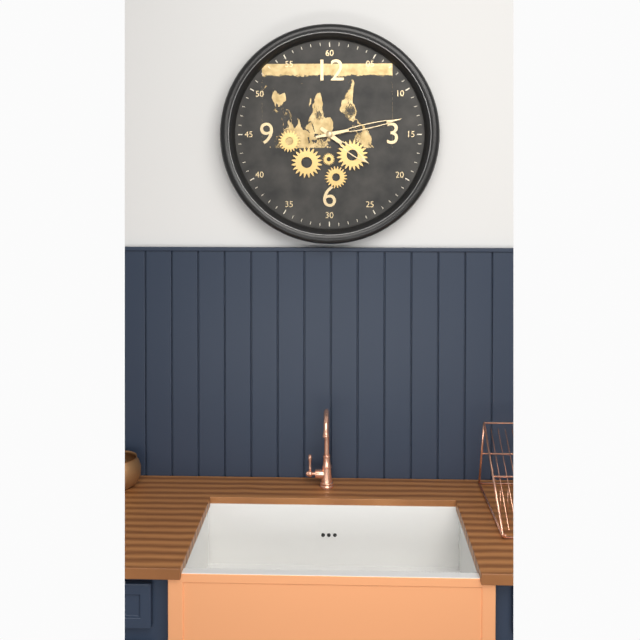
4:13
